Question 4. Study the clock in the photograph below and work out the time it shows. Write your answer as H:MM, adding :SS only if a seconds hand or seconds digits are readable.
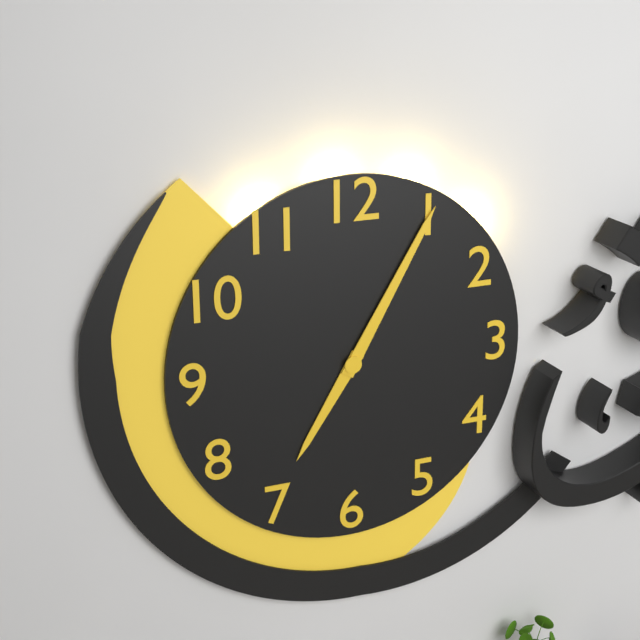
7:05
